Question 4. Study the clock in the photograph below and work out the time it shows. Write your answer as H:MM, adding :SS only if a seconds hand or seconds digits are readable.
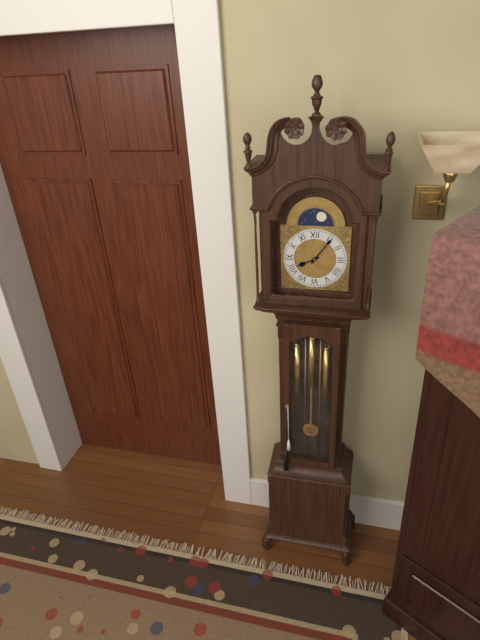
8:06
